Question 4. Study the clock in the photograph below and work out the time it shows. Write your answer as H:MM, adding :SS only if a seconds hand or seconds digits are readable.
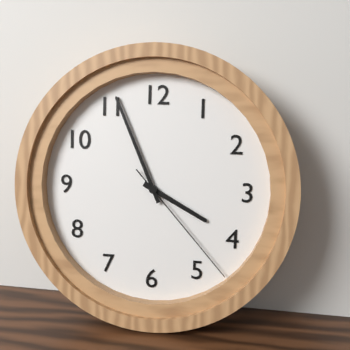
3:56:23
